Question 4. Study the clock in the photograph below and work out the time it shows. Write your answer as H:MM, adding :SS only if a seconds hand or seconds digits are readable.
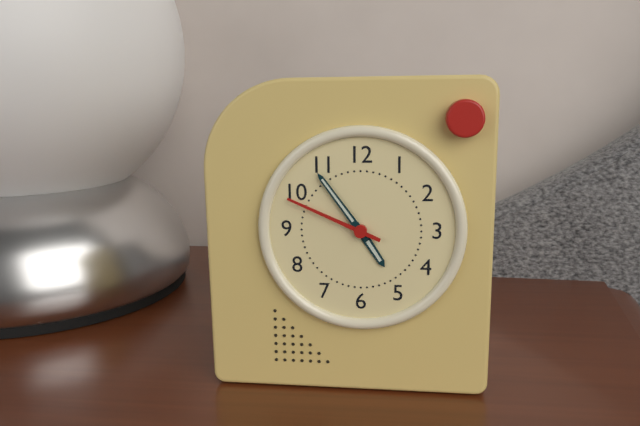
4:54:49
